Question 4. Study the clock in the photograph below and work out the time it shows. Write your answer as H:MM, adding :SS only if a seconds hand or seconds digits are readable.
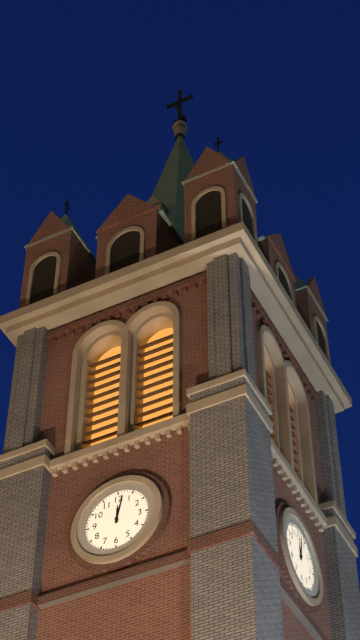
12:02
